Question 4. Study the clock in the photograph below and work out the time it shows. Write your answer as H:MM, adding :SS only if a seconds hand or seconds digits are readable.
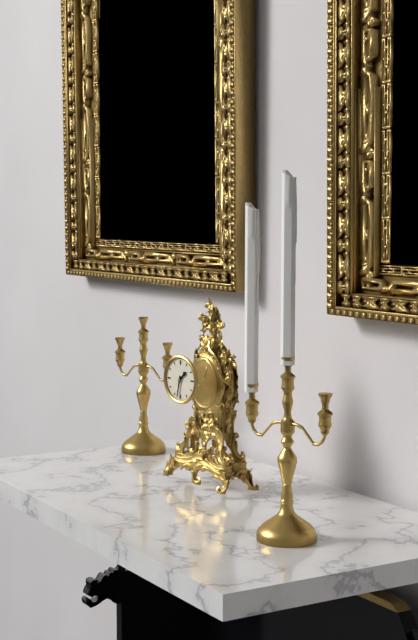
1:32
